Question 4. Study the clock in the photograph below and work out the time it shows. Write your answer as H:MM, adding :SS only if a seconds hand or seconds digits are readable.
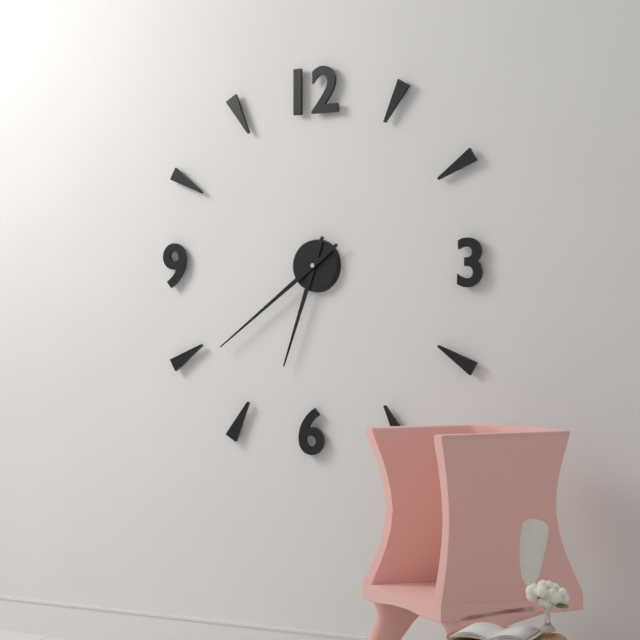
6:39
